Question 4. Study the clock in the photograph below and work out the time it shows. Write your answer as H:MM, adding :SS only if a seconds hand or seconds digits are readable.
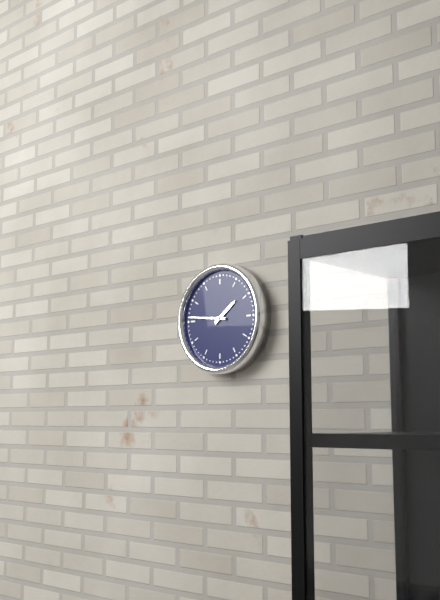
1:46
